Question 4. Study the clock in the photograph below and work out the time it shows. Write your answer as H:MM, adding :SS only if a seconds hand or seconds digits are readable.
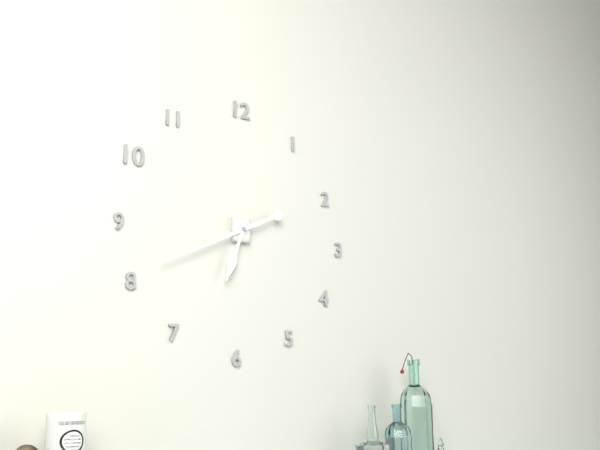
6:41
